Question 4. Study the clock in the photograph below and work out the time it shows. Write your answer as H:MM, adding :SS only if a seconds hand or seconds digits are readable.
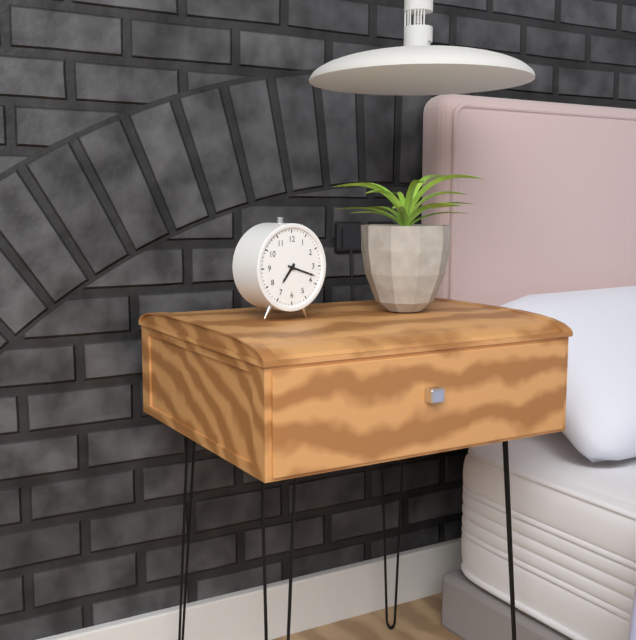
7:18
